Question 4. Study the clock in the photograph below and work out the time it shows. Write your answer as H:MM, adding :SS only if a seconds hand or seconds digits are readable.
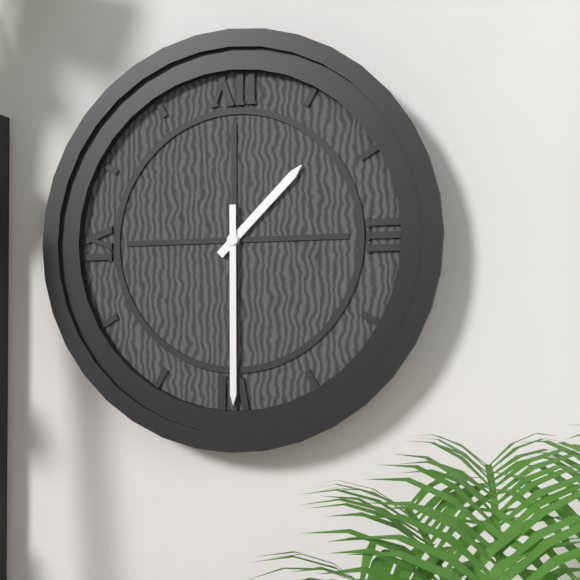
1:30
